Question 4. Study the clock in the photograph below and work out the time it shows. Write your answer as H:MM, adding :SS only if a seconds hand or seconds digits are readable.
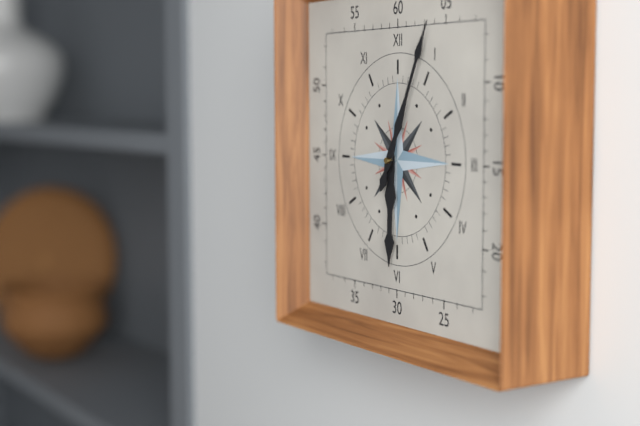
6:04
